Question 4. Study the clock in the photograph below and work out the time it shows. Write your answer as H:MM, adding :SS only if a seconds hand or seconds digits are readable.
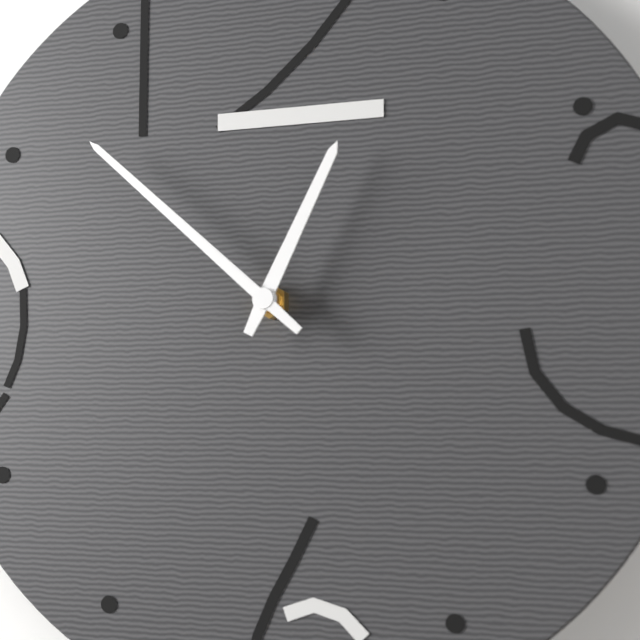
12:52
